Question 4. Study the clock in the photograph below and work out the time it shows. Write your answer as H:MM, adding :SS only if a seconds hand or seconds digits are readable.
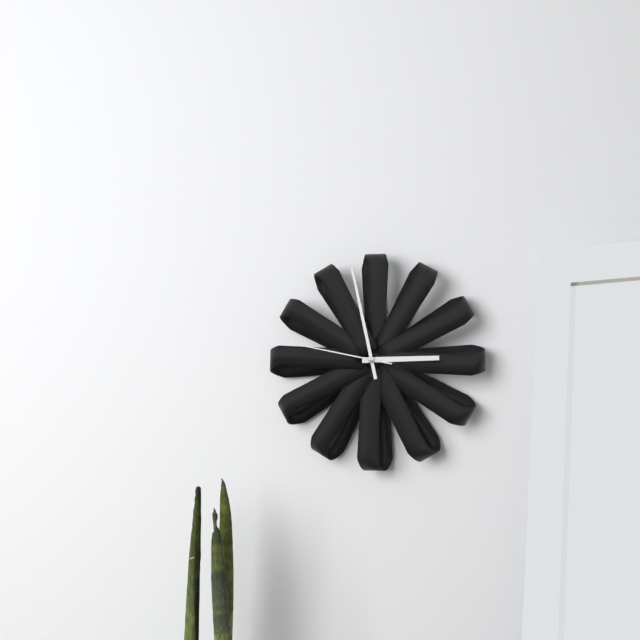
2:58:47
